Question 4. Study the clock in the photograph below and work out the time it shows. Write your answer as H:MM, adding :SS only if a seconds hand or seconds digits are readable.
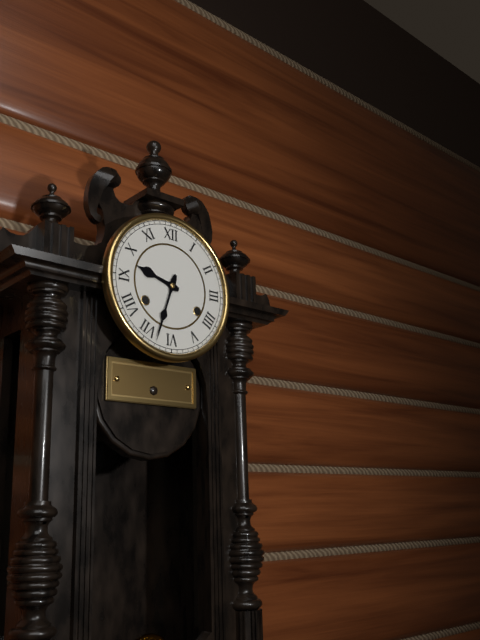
9:33
